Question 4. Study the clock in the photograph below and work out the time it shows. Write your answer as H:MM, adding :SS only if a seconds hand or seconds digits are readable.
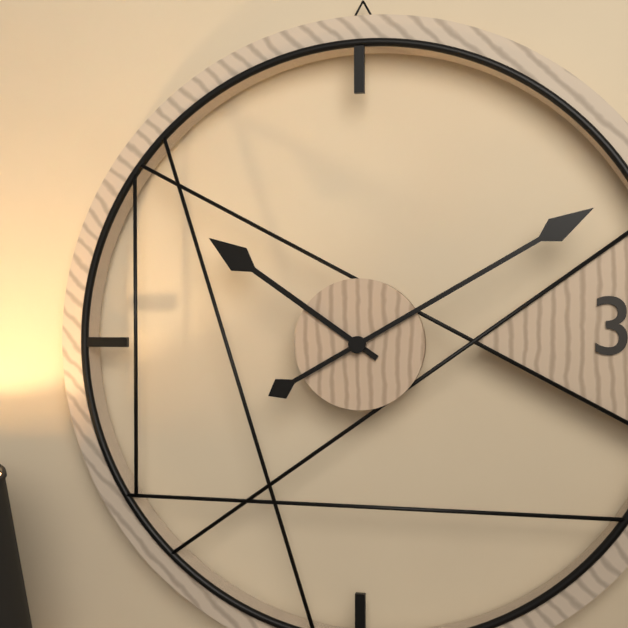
10:10
